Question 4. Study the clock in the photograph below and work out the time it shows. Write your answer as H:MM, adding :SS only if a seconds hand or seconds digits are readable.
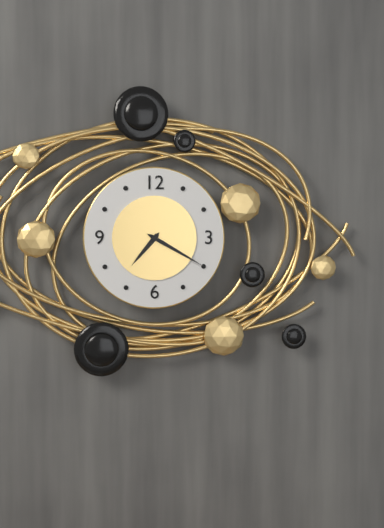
7:20
